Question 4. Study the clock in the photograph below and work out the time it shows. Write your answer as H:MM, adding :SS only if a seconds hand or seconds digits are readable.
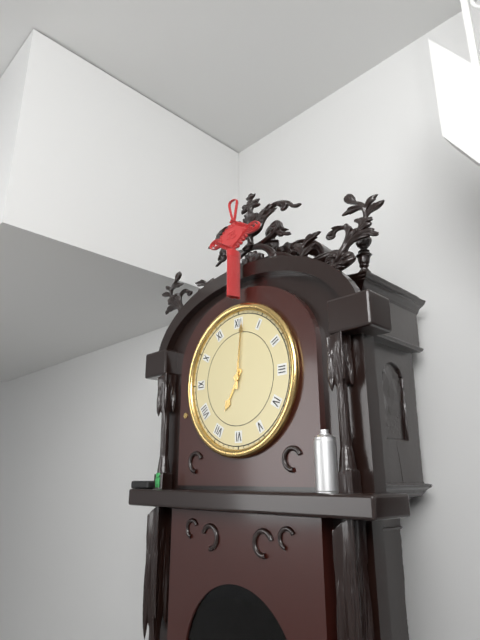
7:01
